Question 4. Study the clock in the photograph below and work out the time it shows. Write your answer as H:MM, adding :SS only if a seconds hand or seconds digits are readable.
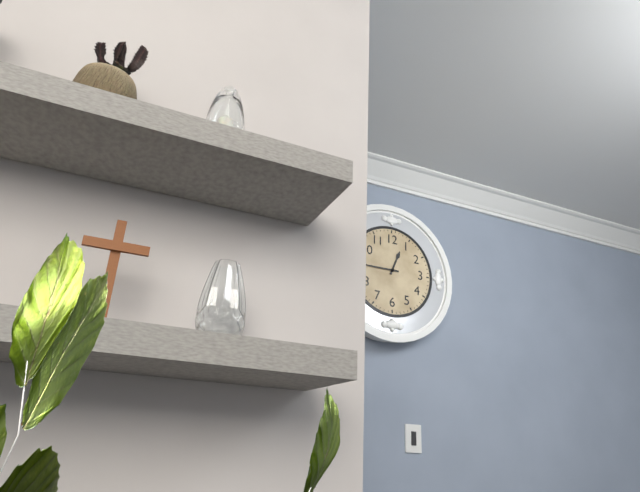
12:45
